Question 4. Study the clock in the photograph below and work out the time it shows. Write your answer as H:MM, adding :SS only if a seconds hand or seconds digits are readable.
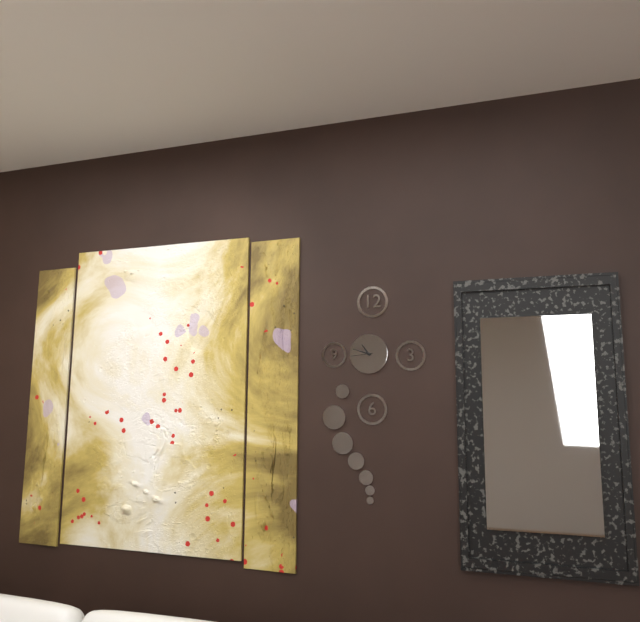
10:48
